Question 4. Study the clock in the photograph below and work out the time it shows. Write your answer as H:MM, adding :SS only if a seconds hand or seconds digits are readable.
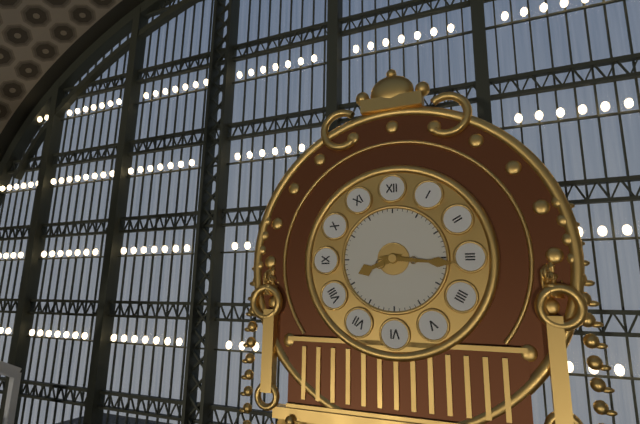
8:16
